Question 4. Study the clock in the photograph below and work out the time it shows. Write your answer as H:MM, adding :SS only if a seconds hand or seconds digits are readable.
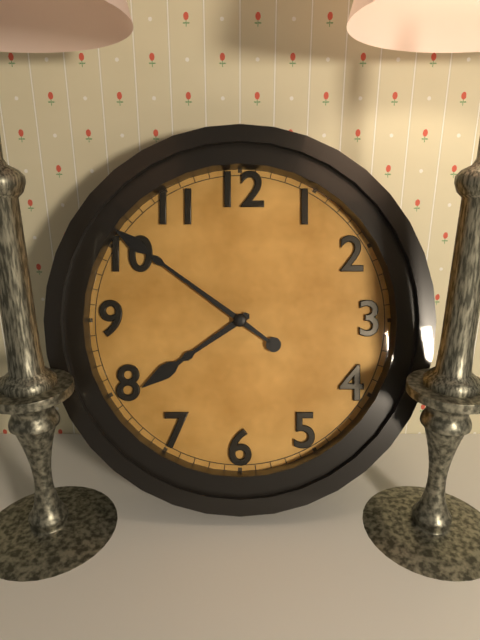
7:51
